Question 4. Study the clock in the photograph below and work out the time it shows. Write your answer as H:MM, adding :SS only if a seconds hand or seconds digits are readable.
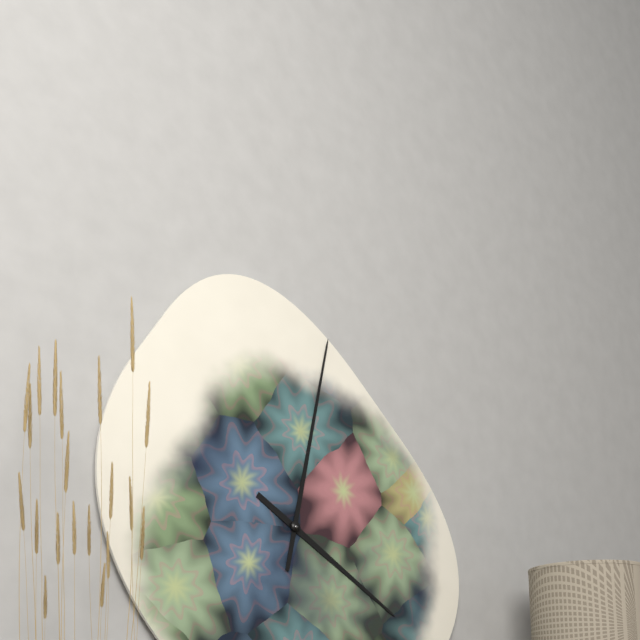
4:02
